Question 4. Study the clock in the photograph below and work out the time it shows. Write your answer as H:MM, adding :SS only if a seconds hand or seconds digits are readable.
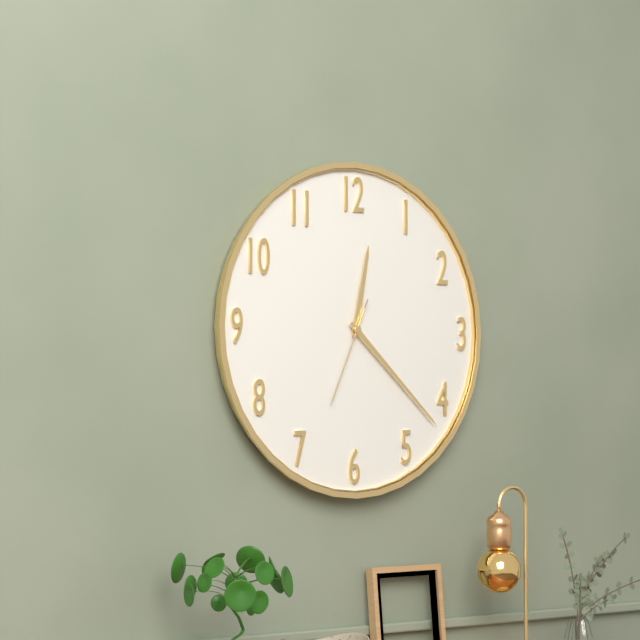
12:22:34
